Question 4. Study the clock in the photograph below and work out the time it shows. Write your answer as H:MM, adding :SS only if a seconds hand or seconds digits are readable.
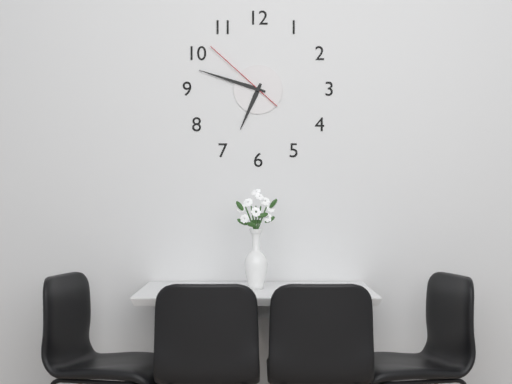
6:48:52
